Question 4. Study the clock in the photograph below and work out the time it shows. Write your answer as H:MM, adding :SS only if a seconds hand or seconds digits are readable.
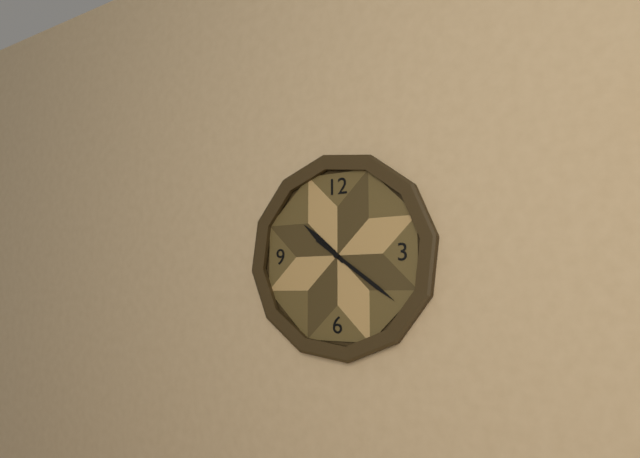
10:21
